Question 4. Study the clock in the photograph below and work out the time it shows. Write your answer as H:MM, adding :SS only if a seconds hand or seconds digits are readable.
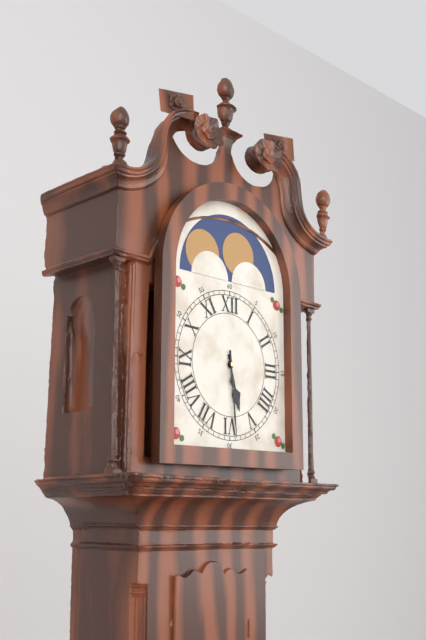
5:29
